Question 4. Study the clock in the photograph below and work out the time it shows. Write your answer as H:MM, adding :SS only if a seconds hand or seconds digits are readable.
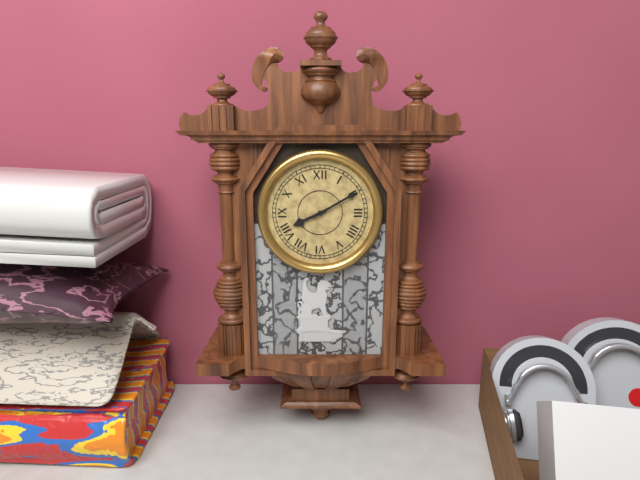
8:10
